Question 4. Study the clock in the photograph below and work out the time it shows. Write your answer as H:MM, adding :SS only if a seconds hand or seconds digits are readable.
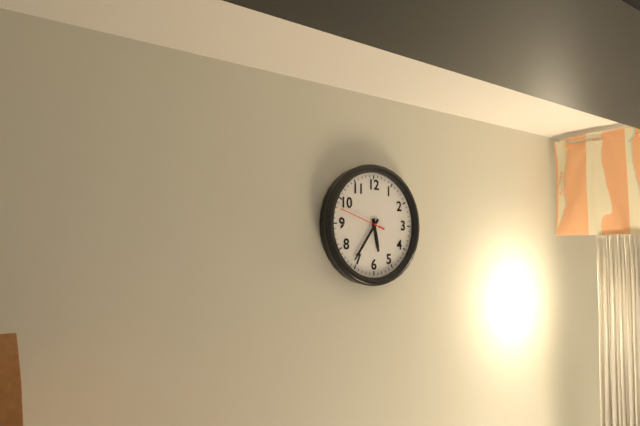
5:36
